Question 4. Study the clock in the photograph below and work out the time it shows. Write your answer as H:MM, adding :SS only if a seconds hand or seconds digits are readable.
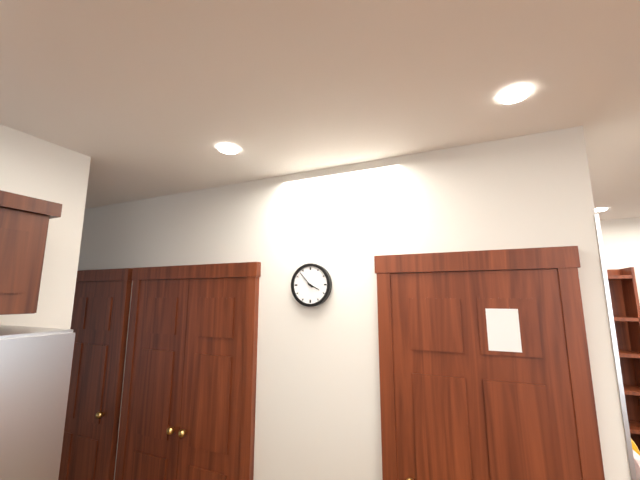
3:53
